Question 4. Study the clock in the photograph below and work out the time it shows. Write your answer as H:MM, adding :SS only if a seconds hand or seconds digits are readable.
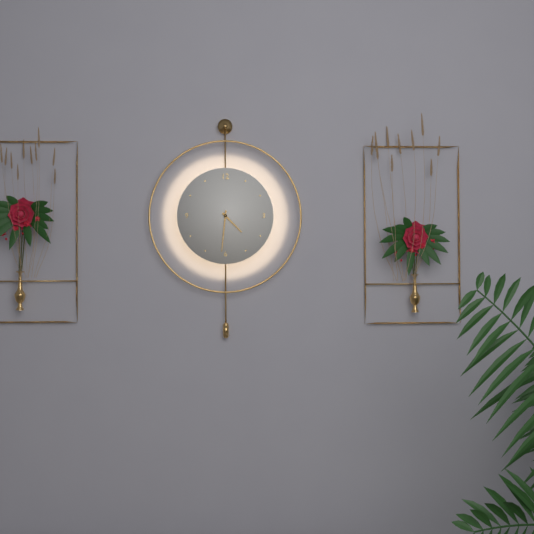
4:31
